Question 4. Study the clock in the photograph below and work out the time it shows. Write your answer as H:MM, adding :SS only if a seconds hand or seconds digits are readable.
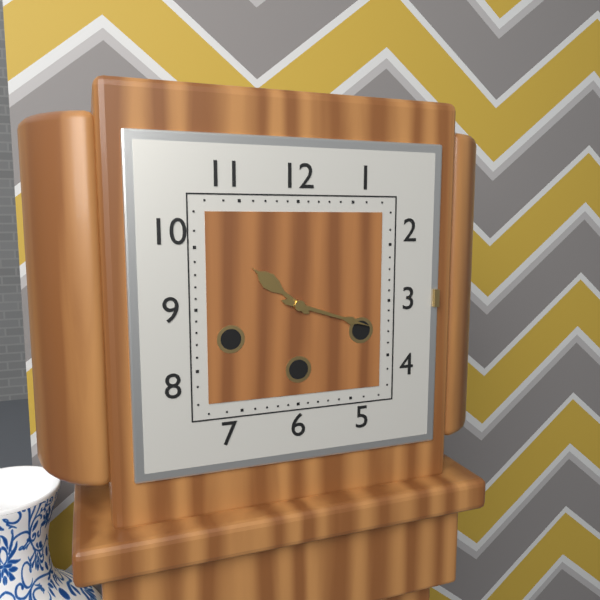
10:18
